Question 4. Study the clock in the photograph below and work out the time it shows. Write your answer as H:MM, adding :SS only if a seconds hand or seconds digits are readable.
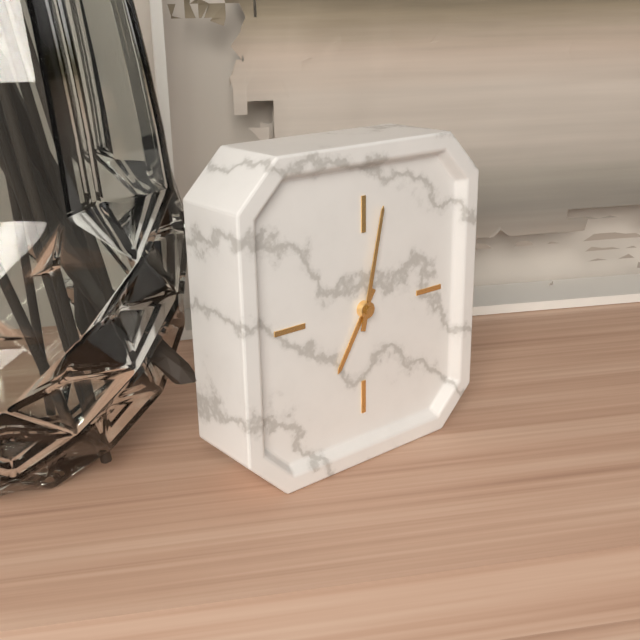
7:02
